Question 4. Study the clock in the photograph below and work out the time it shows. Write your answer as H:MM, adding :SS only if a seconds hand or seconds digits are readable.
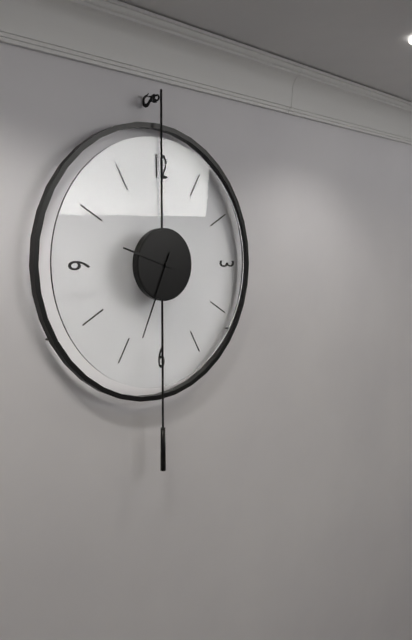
9:34
